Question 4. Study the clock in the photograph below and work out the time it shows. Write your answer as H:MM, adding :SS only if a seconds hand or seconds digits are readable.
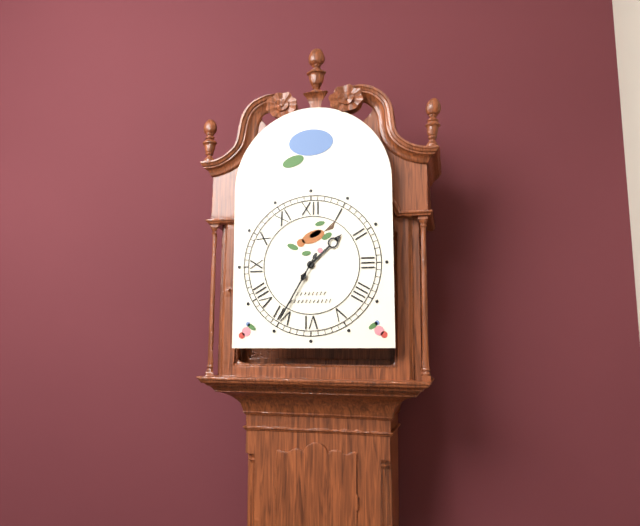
1:35
